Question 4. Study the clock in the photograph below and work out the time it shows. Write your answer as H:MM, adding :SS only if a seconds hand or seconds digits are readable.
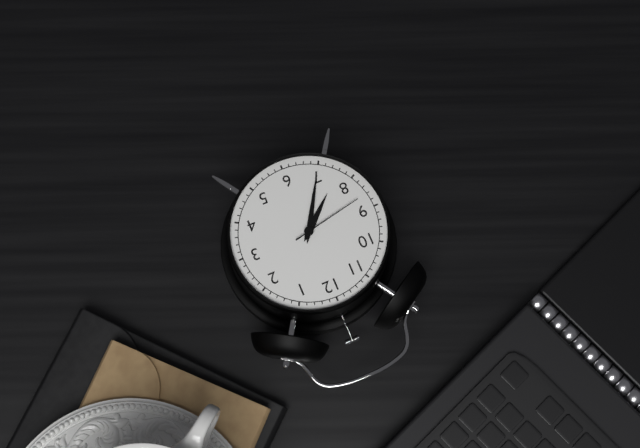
7:35:43
